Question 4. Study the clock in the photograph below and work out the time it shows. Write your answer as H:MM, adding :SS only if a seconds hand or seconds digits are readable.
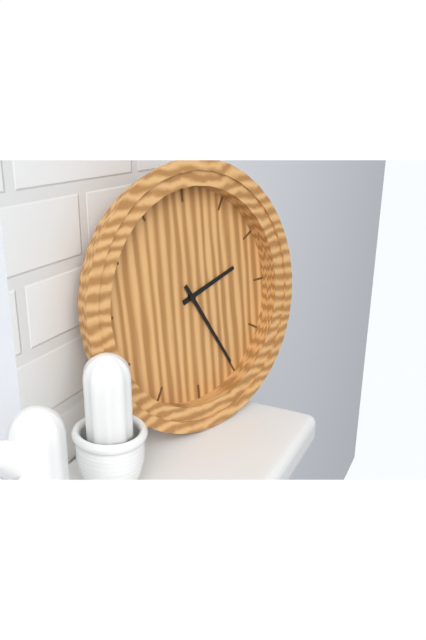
2:25
